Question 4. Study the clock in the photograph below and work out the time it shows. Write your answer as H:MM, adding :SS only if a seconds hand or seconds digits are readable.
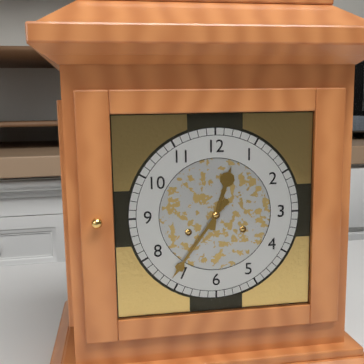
12:36
